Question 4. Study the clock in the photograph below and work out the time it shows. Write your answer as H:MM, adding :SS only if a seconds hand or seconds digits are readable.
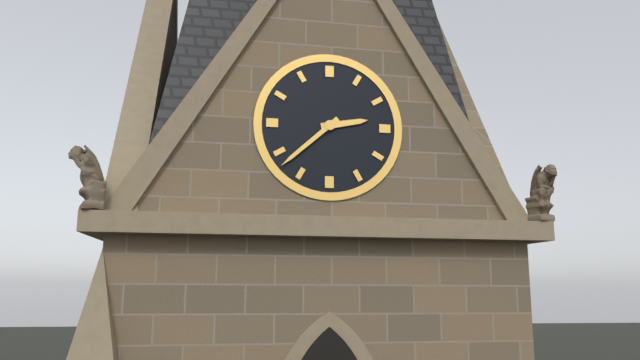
2:38
